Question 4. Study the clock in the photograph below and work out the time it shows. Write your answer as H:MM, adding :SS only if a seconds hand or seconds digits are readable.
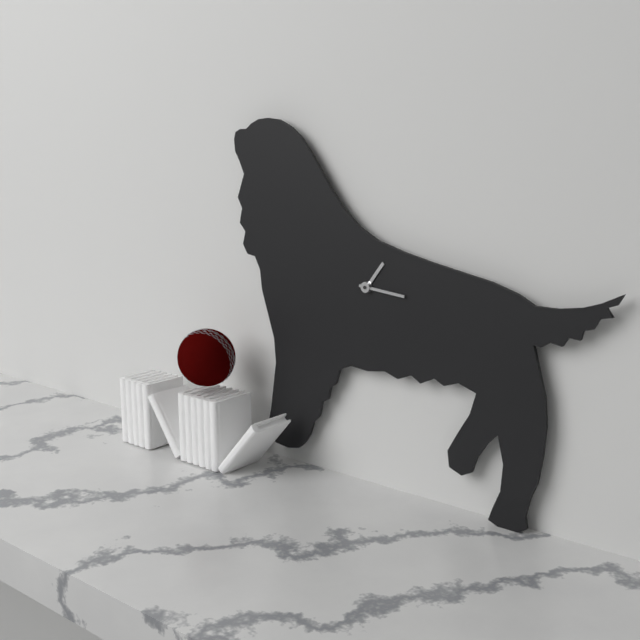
1:16
